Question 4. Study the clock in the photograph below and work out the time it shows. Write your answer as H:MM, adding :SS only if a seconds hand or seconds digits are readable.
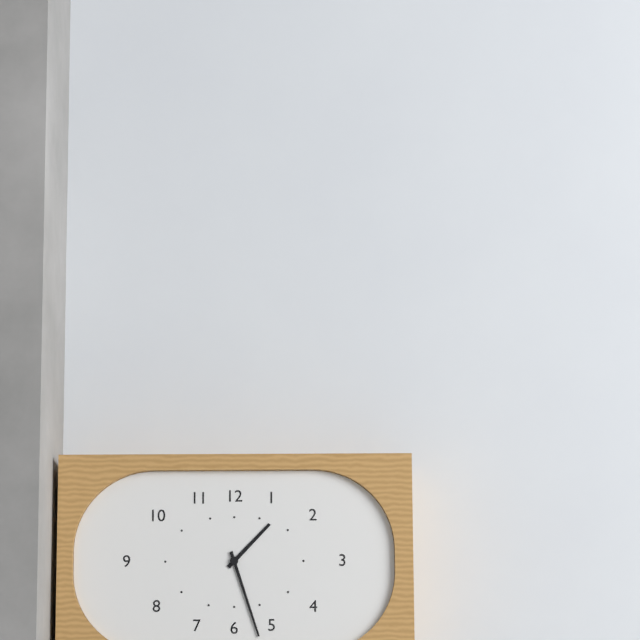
1:27
